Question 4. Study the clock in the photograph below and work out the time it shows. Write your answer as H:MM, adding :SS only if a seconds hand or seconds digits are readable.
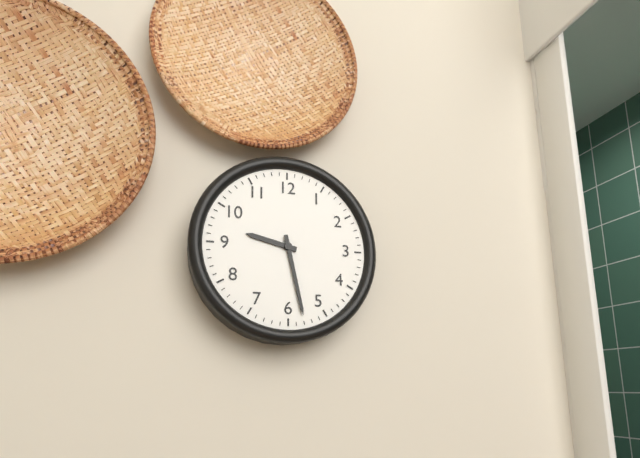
9:28
